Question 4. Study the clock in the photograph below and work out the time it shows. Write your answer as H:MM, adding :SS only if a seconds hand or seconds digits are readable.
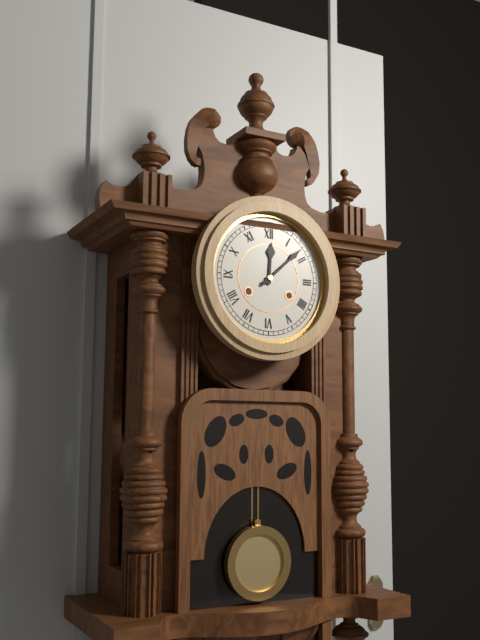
12:08
